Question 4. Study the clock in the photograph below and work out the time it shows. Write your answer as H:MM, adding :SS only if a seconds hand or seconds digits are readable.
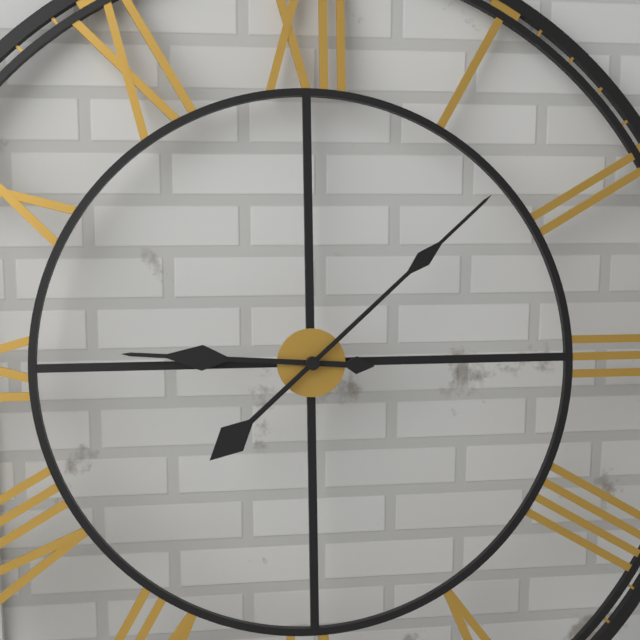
9:08
